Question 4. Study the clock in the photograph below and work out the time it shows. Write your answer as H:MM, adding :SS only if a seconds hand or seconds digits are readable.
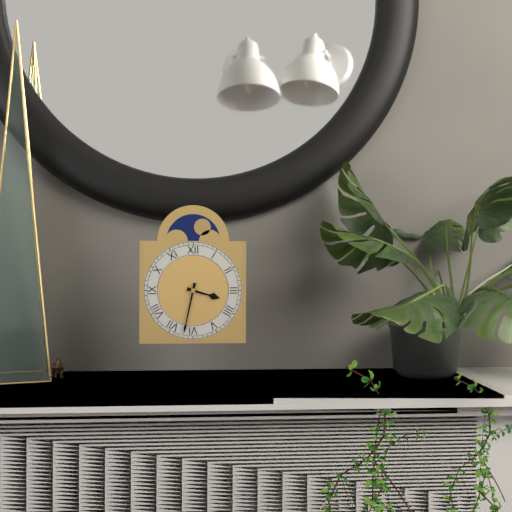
3:32
